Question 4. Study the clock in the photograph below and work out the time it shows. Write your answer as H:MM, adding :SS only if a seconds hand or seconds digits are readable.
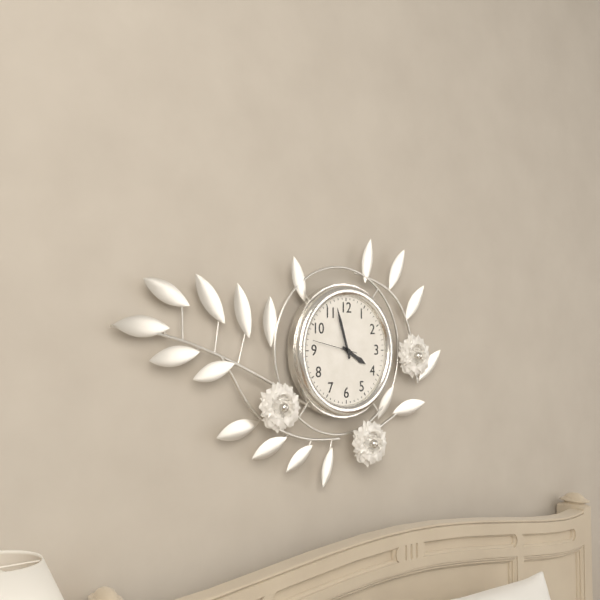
3:57
